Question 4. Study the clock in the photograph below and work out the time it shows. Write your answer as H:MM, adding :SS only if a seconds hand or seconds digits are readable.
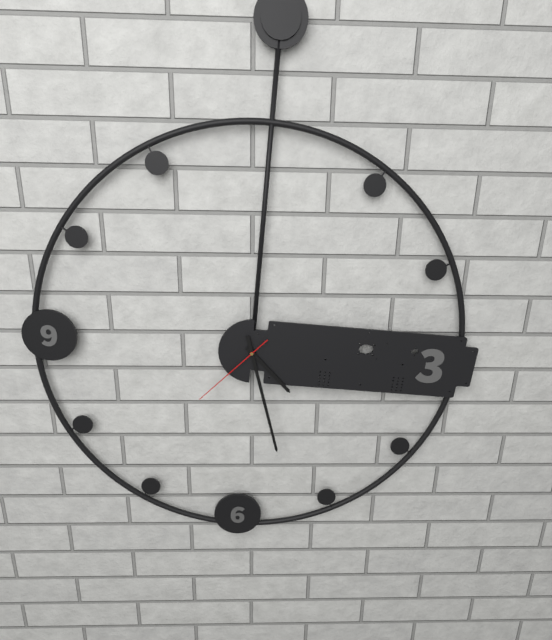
4:27:37
